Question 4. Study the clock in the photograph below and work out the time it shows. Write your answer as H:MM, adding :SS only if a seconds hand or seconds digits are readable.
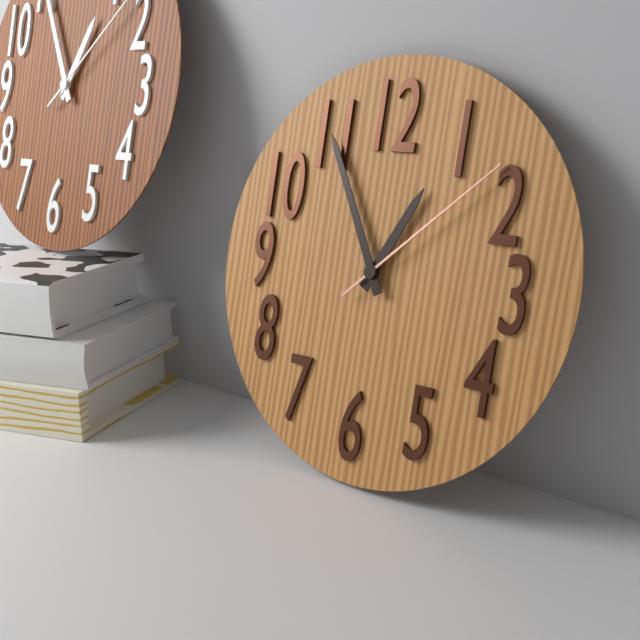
12:55:08
